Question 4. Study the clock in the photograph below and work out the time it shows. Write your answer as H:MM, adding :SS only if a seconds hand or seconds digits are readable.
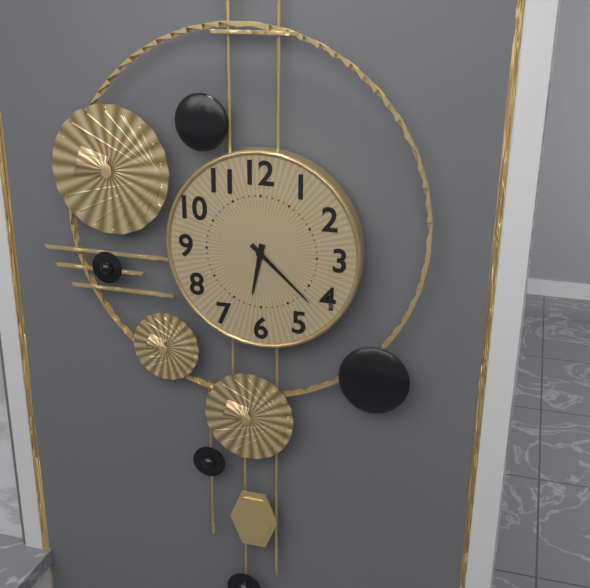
6:22
